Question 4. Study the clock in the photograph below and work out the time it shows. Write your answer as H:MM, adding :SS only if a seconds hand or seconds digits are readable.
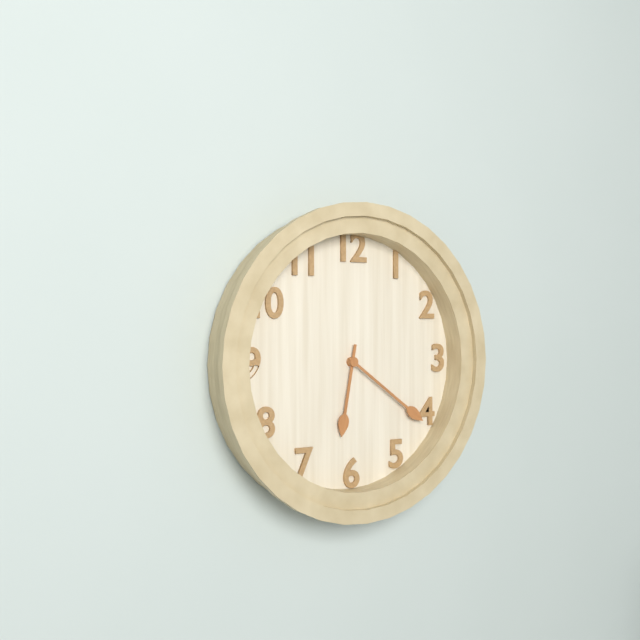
6:21
